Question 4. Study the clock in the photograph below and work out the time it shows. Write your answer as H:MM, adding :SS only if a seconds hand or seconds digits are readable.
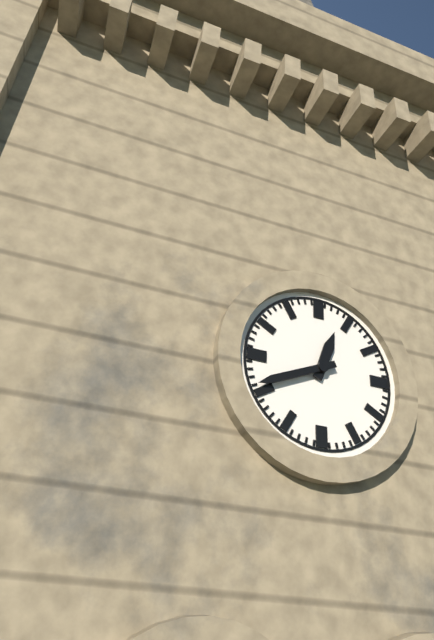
12:41
